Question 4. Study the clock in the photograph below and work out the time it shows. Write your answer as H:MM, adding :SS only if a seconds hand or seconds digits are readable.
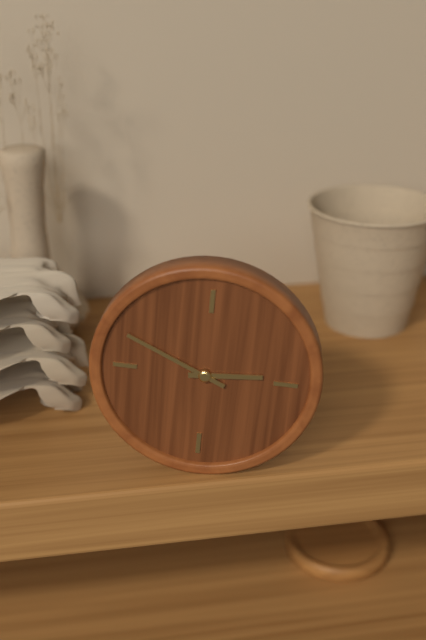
2:49
